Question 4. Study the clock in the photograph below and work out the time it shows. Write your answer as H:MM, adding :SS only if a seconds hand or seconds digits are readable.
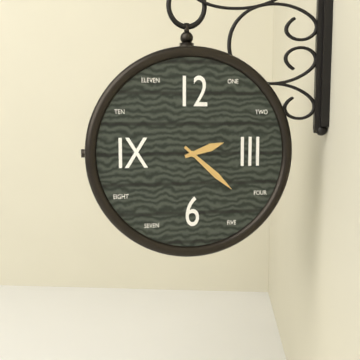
2:22
